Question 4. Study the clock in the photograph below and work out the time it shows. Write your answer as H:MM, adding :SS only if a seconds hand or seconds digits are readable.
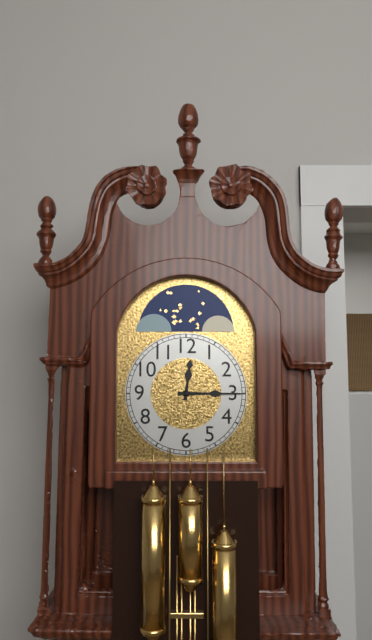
12:15
